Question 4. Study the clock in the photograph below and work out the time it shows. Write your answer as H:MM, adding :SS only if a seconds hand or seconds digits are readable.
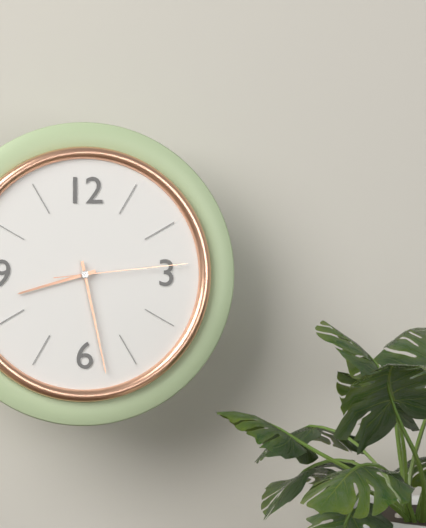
8:28:14
